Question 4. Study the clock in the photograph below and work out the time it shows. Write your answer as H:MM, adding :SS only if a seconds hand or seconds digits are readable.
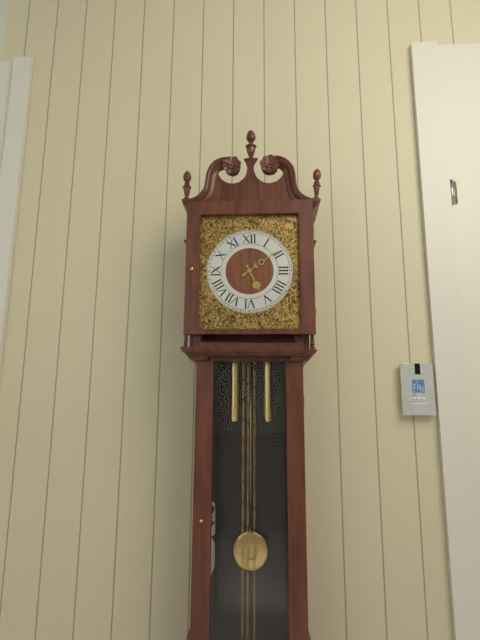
5:09
